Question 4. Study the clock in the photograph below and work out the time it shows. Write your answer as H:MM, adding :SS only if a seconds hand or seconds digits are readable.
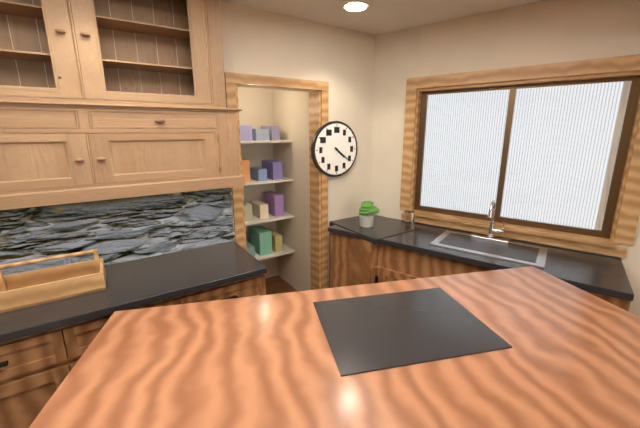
4:21
